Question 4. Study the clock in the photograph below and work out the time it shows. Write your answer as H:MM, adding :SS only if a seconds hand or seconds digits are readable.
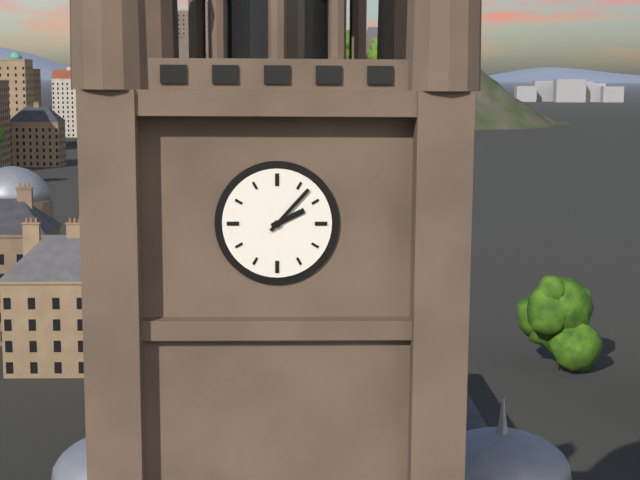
2:07
